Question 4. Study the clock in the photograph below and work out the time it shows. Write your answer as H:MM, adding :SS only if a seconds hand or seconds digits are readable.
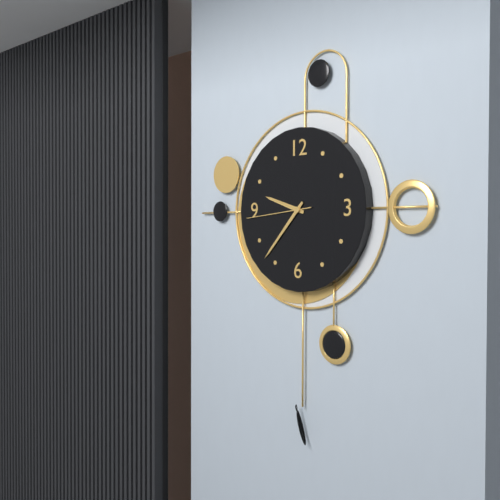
9:37:44
